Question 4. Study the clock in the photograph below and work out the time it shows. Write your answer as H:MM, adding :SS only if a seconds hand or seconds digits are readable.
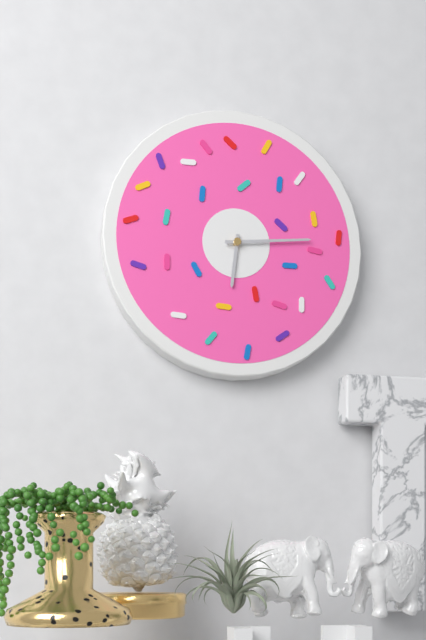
6:14
